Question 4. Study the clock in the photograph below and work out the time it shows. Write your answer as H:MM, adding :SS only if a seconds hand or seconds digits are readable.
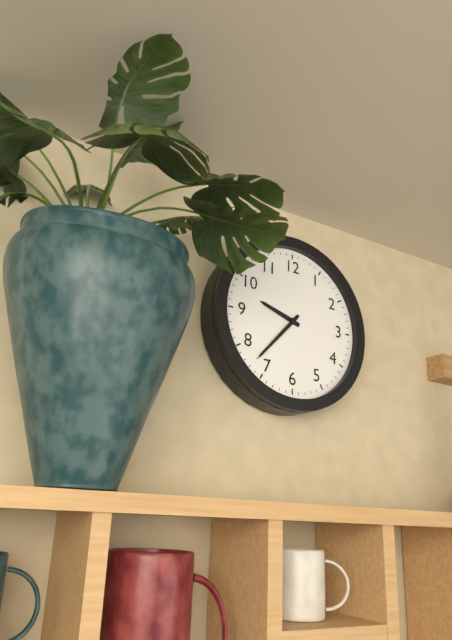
9:37
